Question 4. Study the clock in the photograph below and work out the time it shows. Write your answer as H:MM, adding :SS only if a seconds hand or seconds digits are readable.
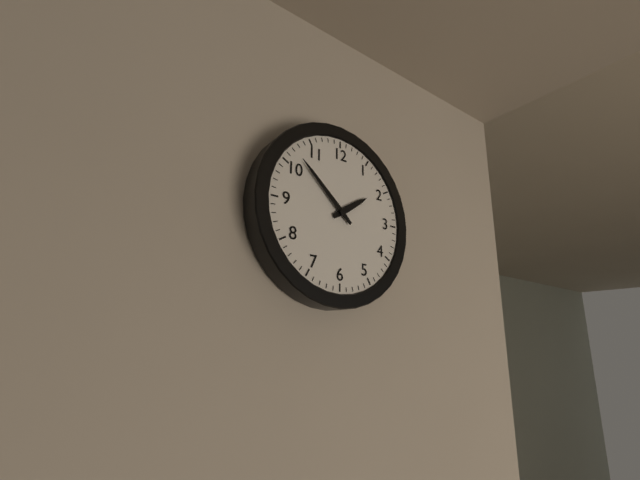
1:52
